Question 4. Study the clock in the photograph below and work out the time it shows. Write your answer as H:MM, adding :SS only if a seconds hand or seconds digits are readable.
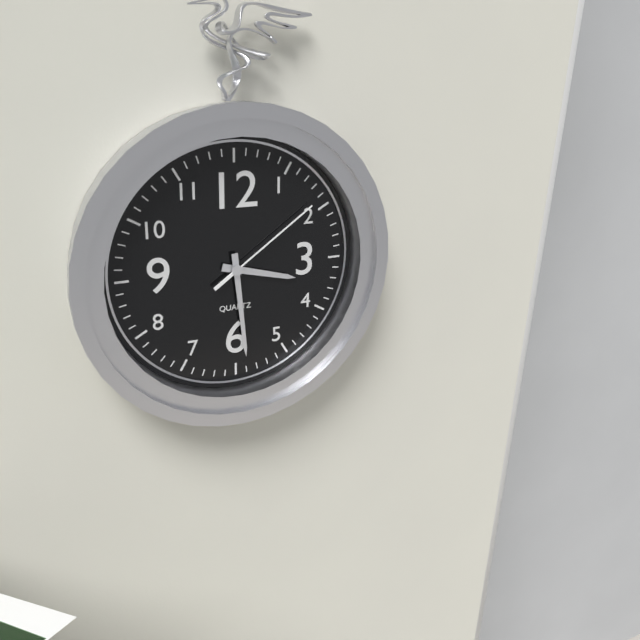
3:29:09
